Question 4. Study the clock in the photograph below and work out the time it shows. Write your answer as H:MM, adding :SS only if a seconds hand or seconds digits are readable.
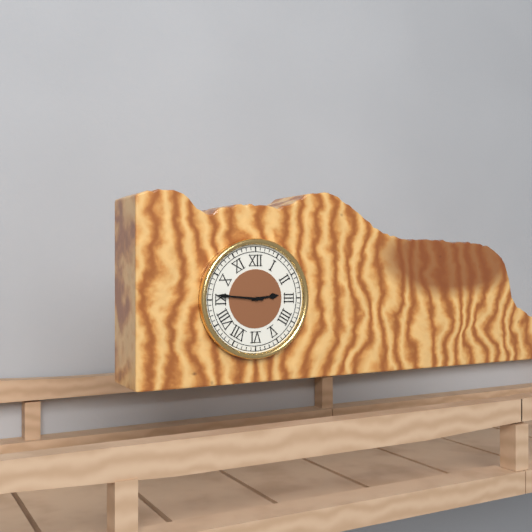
2:46
